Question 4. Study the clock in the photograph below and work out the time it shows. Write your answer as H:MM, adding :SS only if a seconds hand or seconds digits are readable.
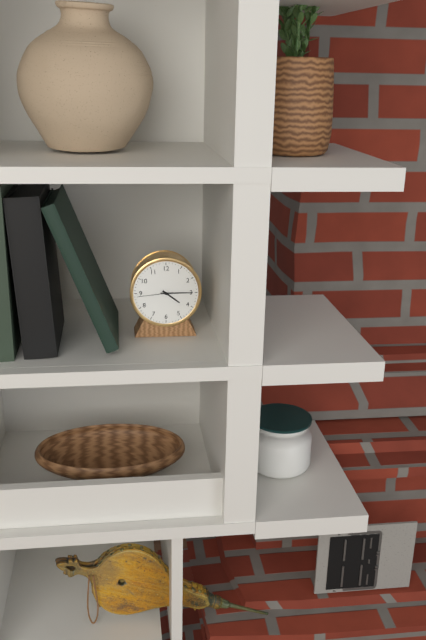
4:15
